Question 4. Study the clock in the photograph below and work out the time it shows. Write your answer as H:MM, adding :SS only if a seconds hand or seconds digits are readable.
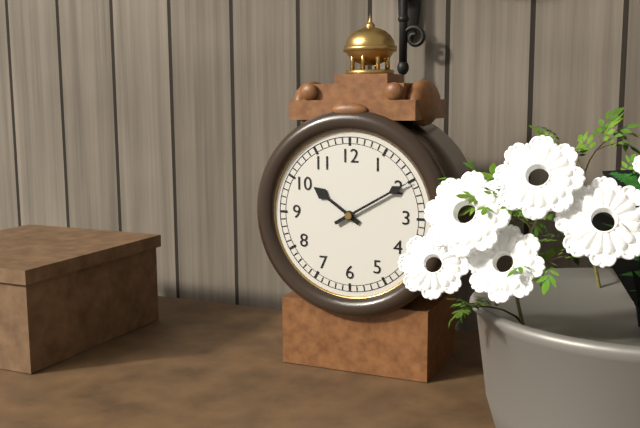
10:10
